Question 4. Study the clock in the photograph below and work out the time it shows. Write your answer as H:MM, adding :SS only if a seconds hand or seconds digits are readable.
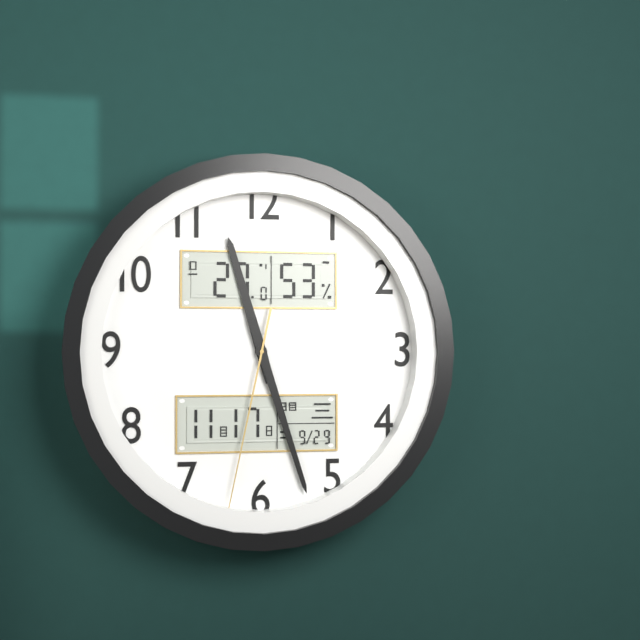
11:27:32
